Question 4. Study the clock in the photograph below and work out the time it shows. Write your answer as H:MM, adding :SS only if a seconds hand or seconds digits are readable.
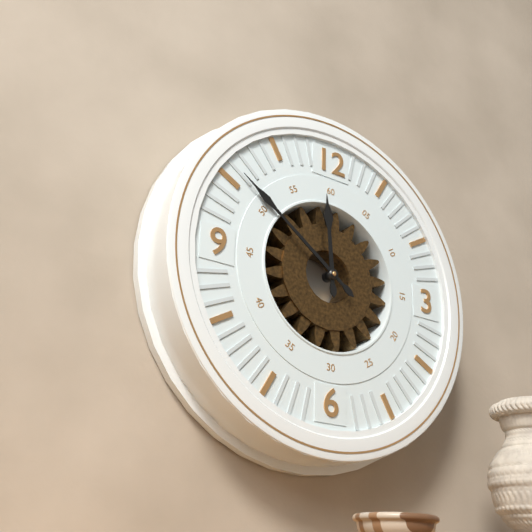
11:51
